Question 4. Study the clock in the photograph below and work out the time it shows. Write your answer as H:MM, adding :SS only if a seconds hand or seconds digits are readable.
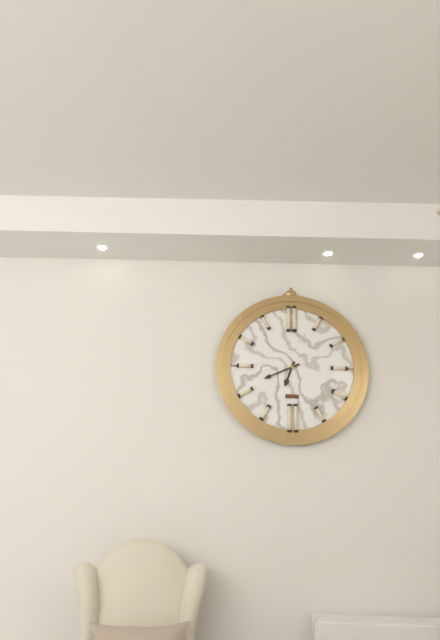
6:41
